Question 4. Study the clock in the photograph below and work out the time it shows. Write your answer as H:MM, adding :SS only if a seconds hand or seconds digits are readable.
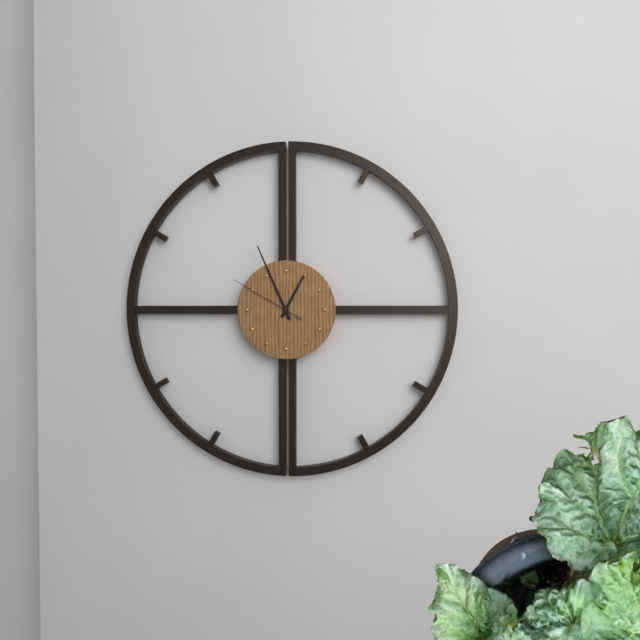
12:56:50
